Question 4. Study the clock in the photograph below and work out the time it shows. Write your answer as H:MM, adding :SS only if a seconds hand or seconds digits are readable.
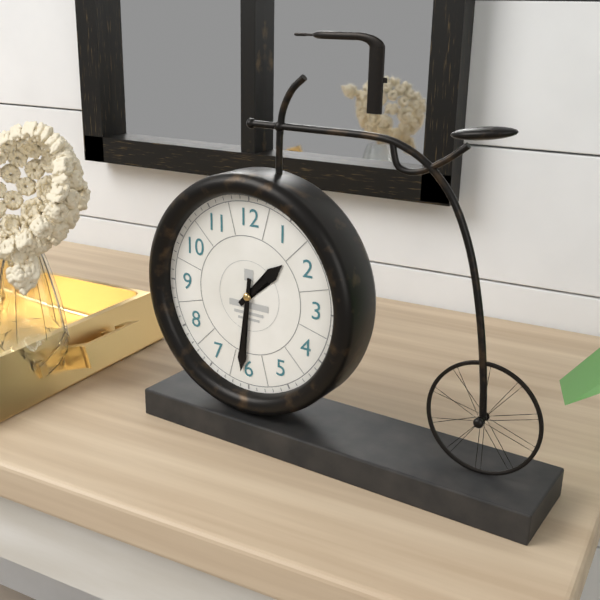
1:31
